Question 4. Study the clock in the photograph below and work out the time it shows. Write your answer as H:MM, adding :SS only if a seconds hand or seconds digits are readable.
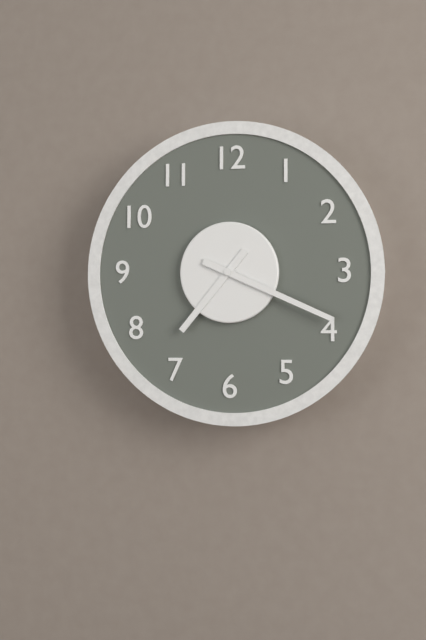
7:19
